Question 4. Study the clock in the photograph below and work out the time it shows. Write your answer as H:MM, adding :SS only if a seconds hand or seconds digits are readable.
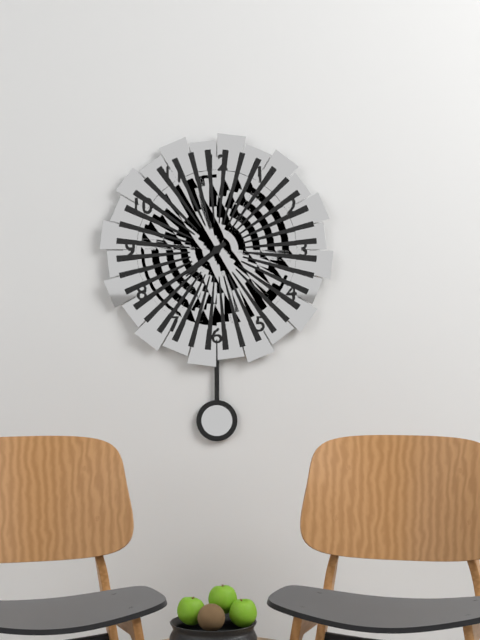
7:39
